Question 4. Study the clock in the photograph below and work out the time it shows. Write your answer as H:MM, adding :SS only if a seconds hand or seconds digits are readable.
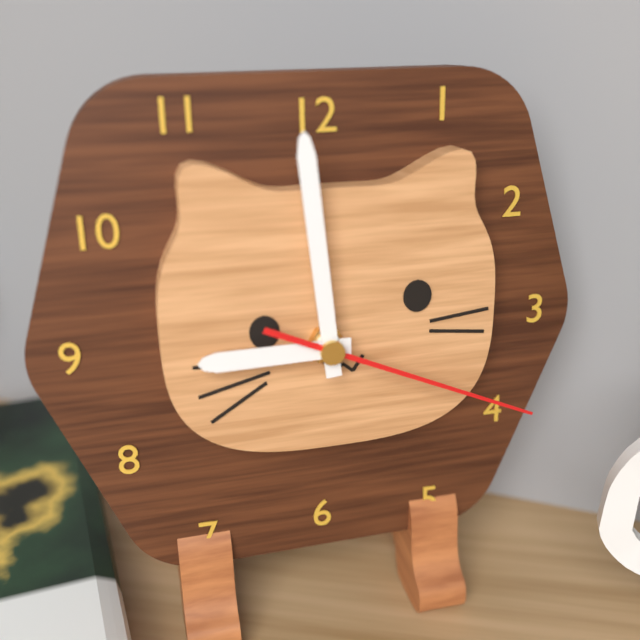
8:59:19
